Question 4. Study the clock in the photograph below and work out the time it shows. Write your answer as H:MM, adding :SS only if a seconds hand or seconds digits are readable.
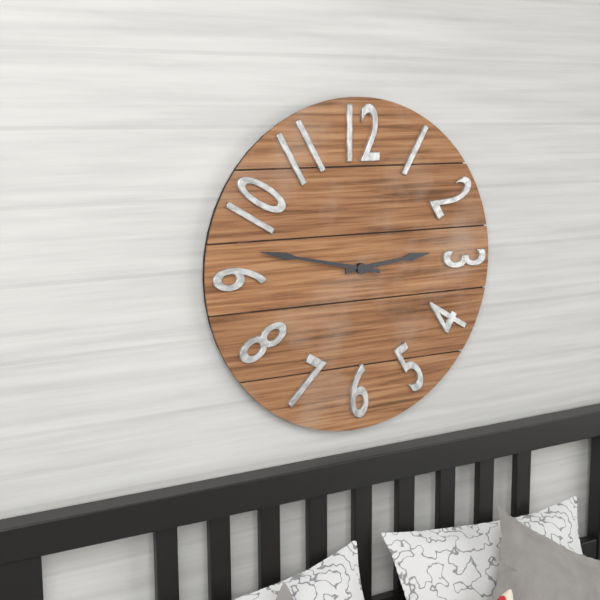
2:47
